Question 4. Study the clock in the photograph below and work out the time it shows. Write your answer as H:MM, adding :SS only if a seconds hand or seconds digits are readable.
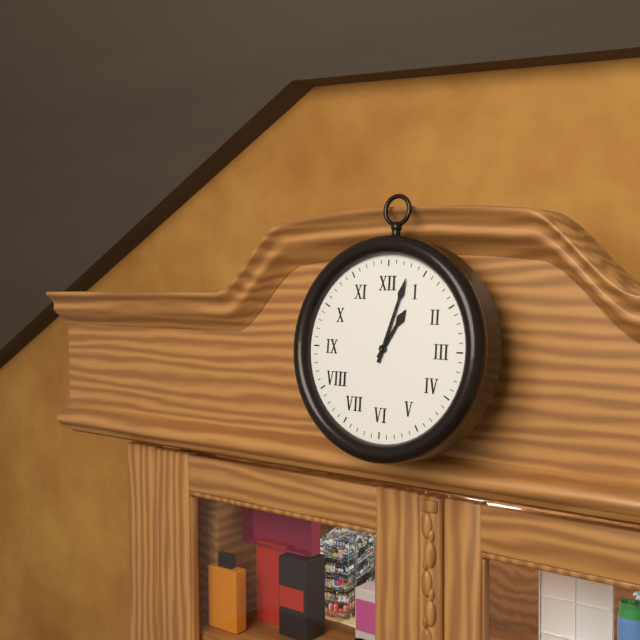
1:03
